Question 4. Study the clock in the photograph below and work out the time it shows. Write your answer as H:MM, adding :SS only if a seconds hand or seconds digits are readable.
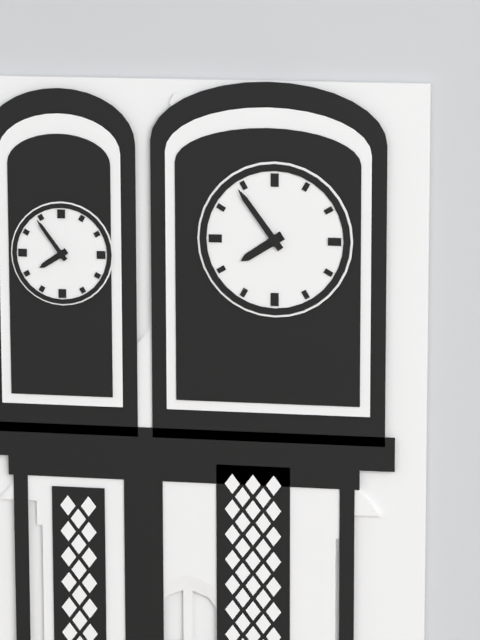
7:54
